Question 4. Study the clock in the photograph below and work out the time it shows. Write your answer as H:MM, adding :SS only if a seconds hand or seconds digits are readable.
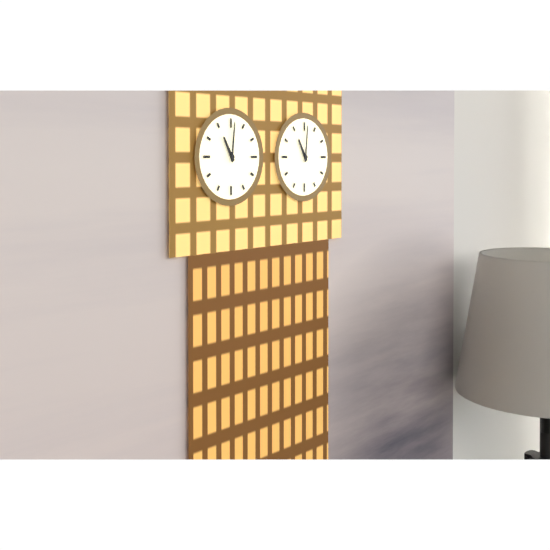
11:01
